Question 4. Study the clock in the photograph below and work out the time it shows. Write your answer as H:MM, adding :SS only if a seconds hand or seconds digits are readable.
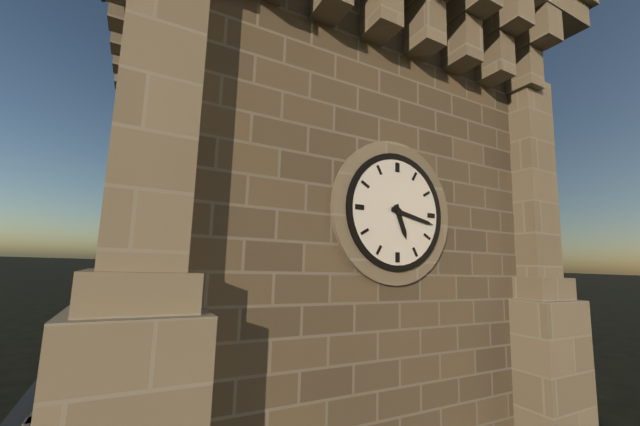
5:17
